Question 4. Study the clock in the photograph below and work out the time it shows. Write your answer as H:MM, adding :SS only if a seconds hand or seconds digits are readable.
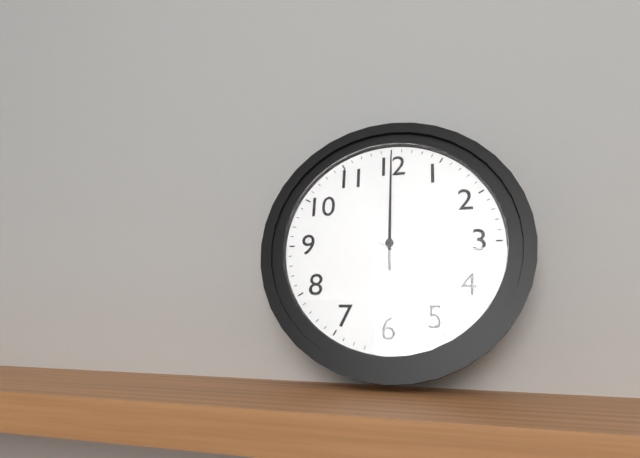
4:00
